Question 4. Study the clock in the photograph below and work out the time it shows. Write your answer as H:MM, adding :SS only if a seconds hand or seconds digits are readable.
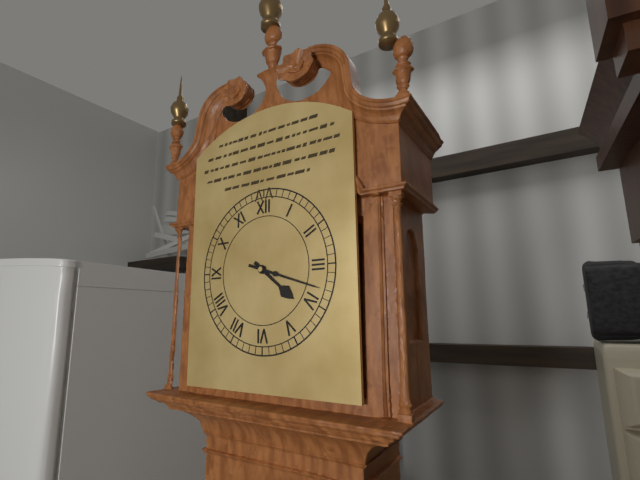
4:18
